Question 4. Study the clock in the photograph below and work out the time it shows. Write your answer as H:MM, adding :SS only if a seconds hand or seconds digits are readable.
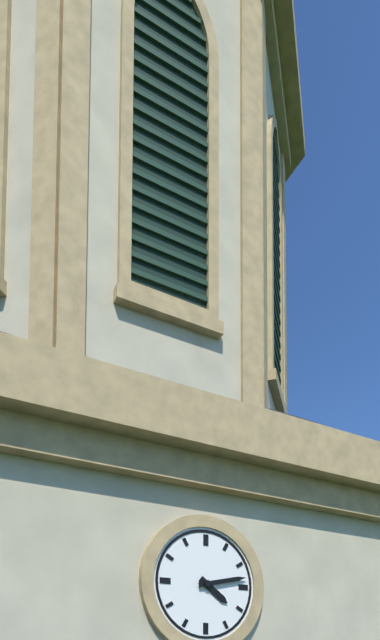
4:13
